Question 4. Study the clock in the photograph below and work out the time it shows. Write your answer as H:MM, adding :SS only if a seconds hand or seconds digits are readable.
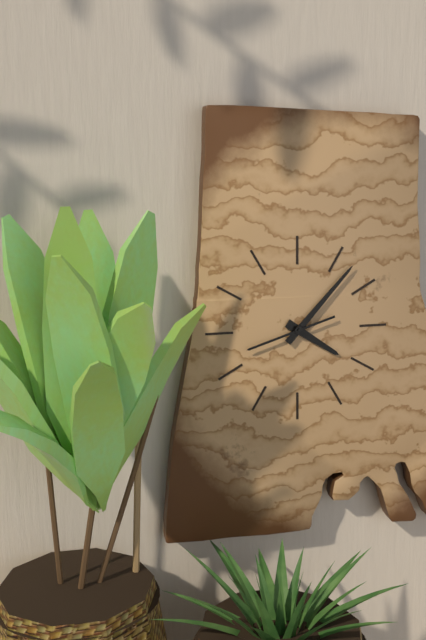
4:07:42
